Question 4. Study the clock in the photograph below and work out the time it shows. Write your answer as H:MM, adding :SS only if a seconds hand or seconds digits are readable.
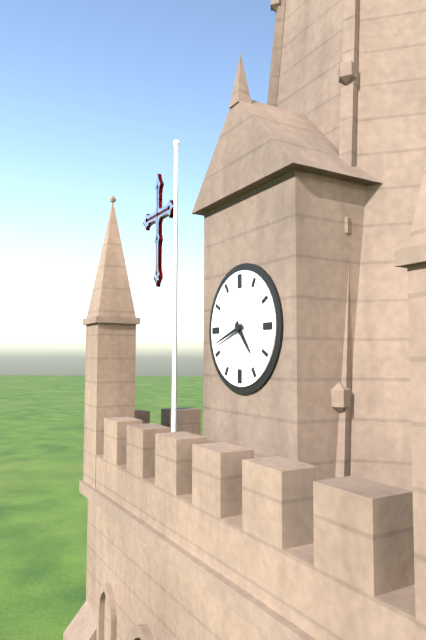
4:42
